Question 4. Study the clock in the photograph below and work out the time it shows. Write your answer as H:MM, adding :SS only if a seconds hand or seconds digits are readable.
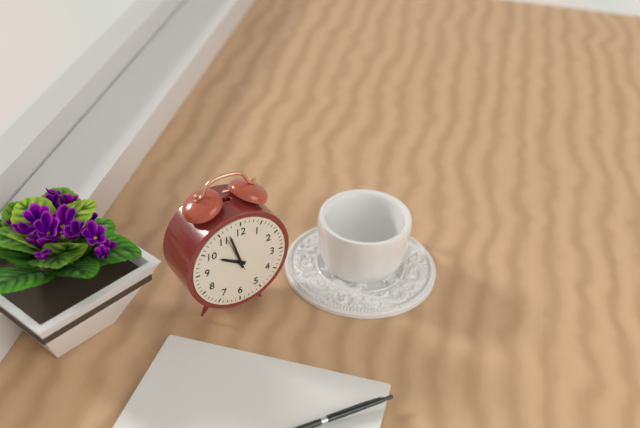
9:57
